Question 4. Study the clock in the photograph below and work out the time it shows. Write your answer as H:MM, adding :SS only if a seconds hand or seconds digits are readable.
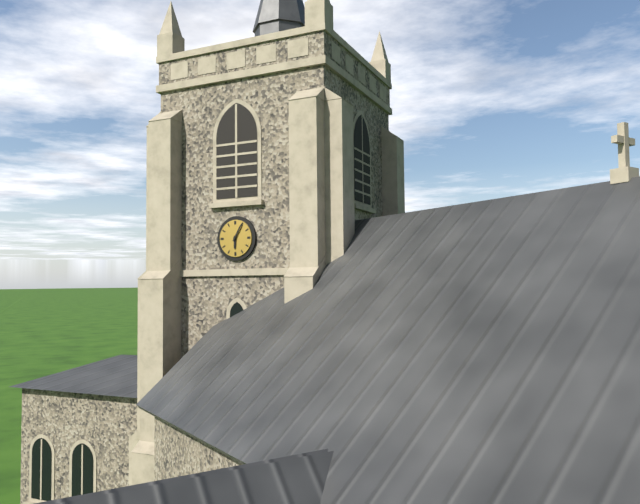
6:05
